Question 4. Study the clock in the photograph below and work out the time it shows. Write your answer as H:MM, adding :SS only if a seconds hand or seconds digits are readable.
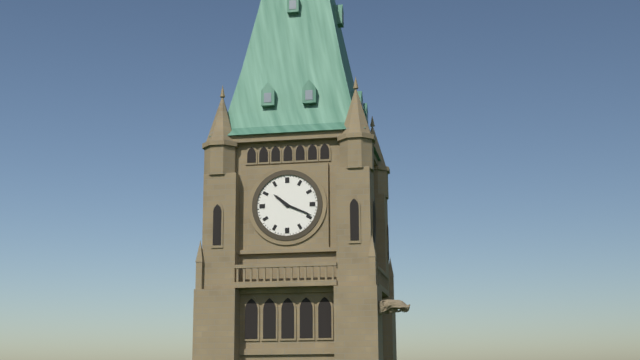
10:19
